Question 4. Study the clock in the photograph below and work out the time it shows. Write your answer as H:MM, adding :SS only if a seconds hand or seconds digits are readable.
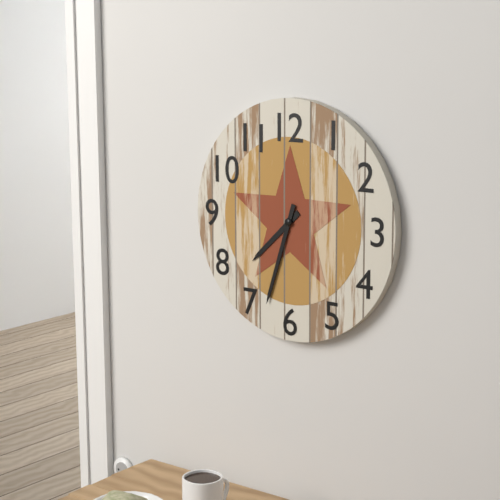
7:33
